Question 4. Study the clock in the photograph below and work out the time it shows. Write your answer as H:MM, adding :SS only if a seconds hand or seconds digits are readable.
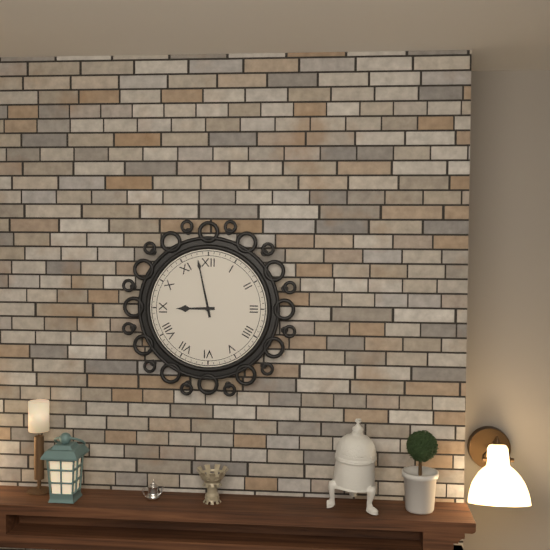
8:58
